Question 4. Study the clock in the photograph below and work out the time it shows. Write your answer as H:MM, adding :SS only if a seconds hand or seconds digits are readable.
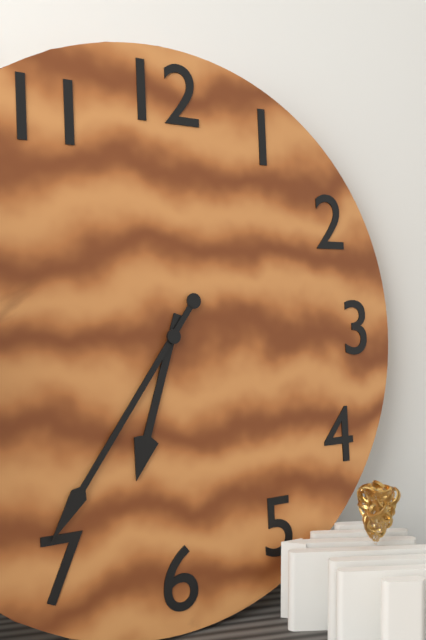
6:36
